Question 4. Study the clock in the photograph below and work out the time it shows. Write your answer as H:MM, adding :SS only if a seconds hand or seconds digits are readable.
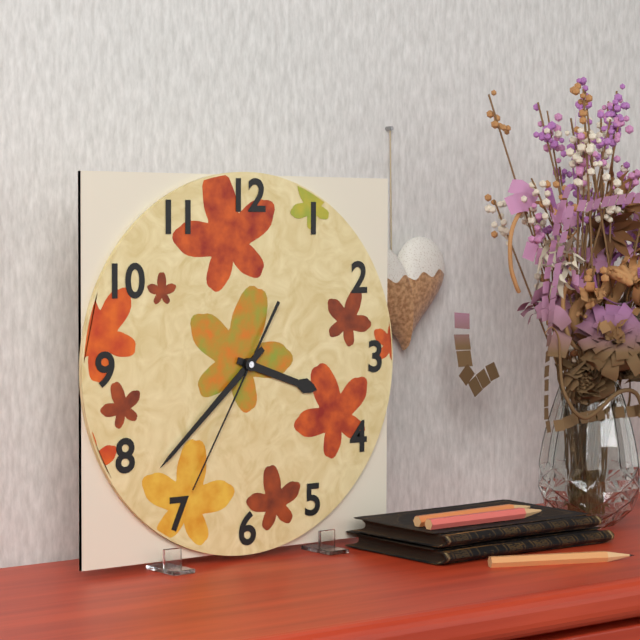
3:38:35
